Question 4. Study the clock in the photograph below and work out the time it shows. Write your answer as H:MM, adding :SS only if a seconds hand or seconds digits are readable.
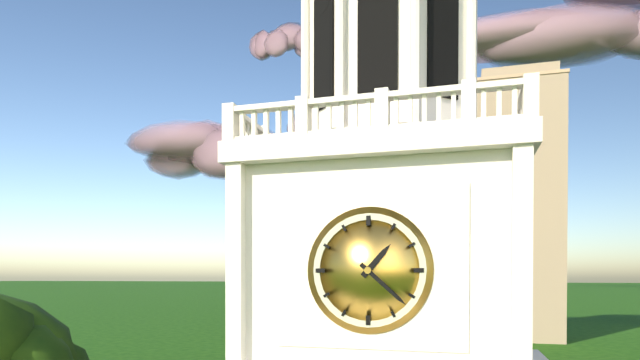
1:22
